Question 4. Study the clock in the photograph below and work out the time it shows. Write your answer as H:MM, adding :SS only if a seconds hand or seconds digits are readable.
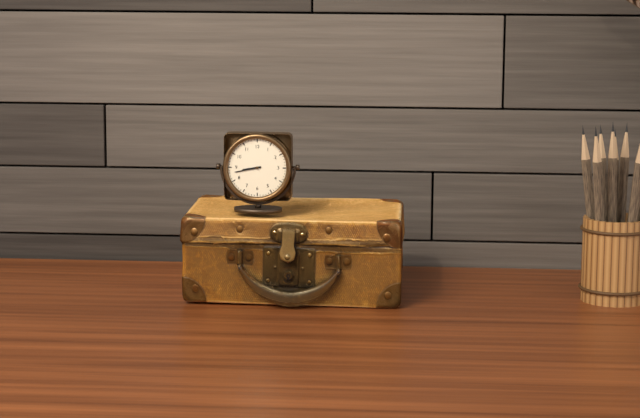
8:43
